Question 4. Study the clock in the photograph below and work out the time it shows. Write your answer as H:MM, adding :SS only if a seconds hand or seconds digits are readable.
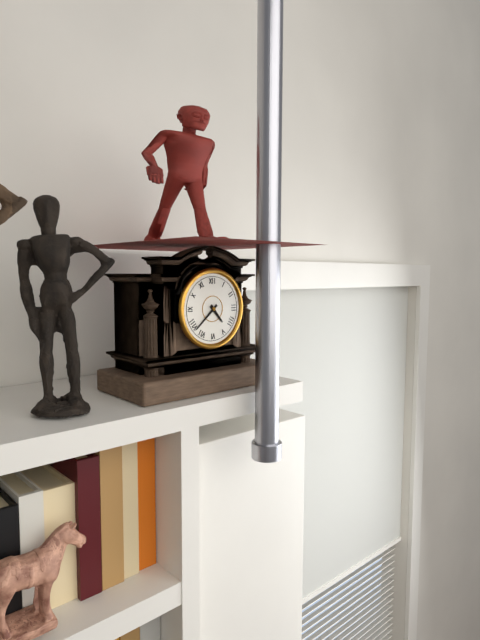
4:38
